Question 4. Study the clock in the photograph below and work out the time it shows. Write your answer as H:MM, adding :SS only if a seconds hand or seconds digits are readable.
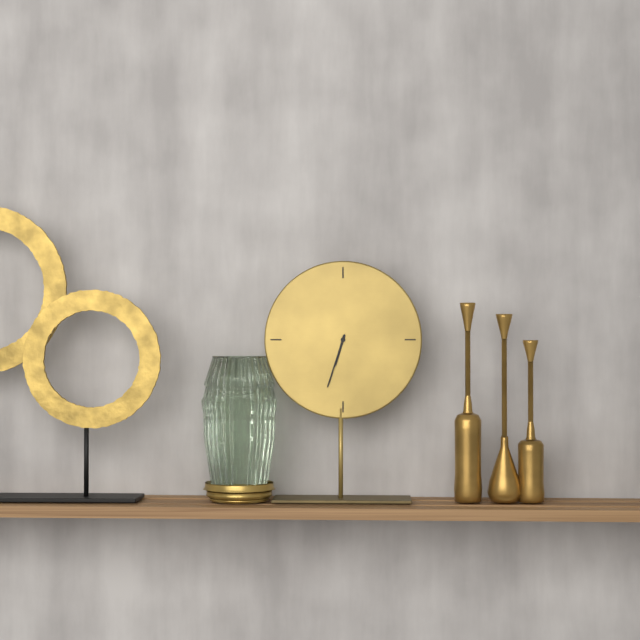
6:33
